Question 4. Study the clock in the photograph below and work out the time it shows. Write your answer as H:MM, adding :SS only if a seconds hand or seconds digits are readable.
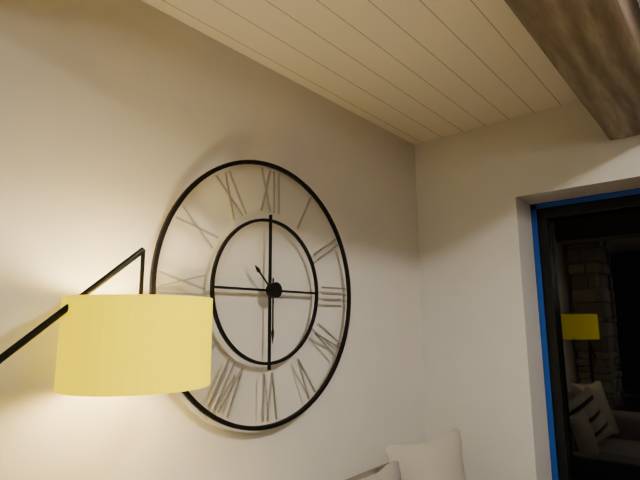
10:30
